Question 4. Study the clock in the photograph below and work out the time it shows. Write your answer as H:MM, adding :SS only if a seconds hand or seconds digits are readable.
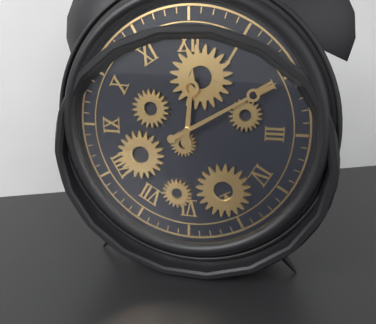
12:10
